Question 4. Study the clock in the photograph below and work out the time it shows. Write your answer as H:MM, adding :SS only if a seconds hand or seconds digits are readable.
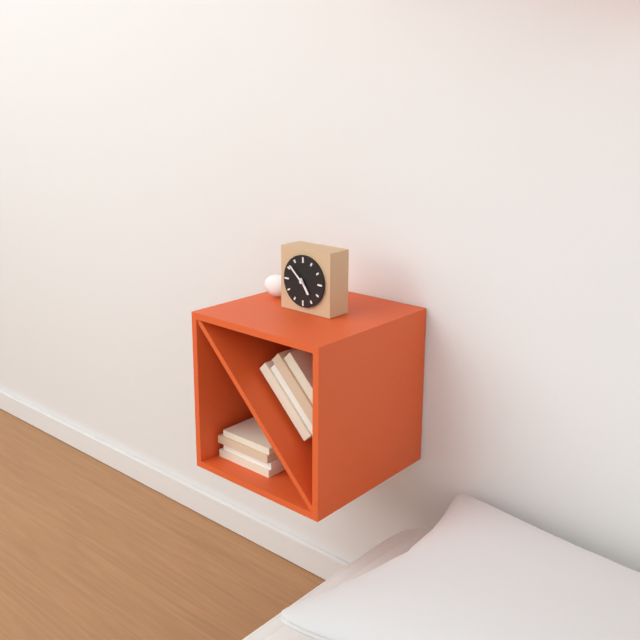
4:52
